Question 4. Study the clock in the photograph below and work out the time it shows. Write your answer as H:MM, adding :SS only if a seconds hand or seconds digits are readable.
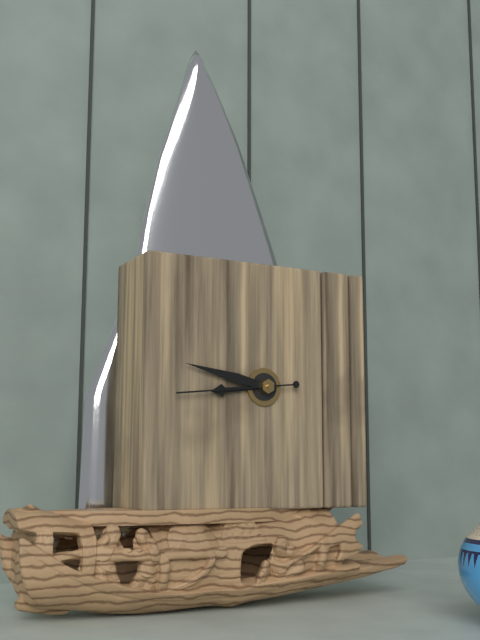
8:47:44
